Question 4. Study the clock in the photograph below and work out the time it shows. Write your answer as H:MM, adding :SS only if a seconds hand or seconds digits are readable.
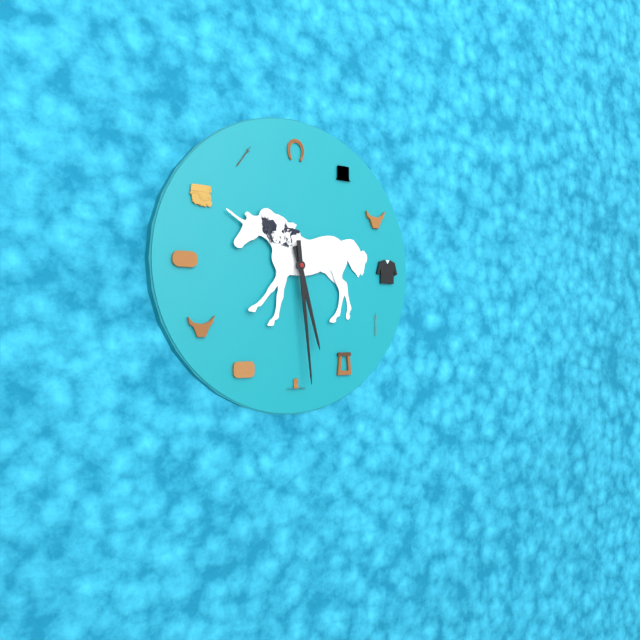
5:29
